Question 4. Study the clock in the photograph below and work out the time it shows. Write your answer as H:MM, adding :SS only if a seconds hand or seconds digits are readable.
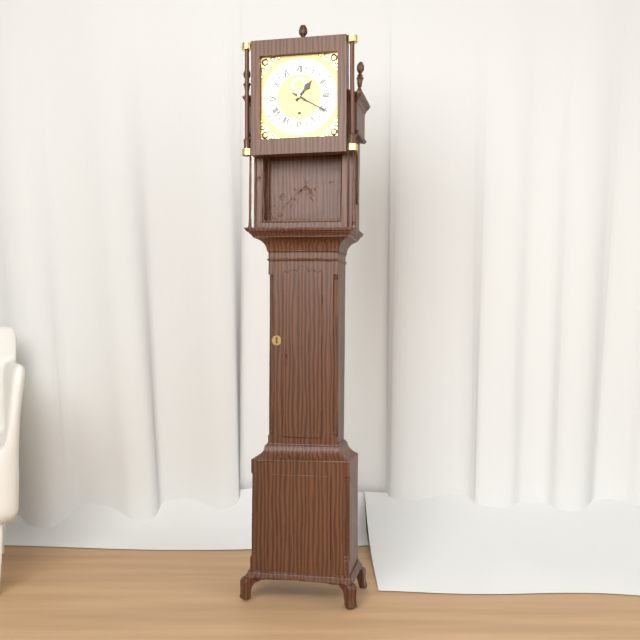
1:20
